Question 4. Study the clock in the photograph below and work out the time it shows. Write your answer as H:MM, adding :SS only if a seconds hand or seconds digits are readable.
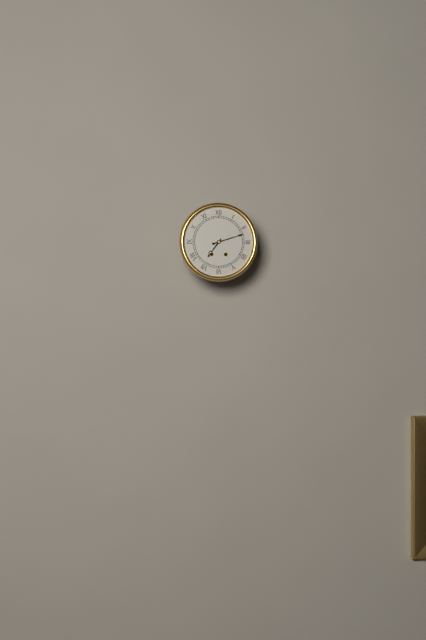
7:12
